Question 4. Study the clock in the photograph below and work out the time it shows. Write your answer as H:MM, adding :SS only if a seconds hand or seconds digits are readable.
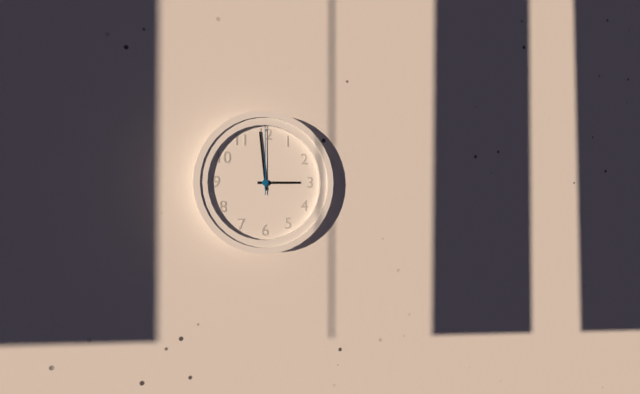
2:59:00
